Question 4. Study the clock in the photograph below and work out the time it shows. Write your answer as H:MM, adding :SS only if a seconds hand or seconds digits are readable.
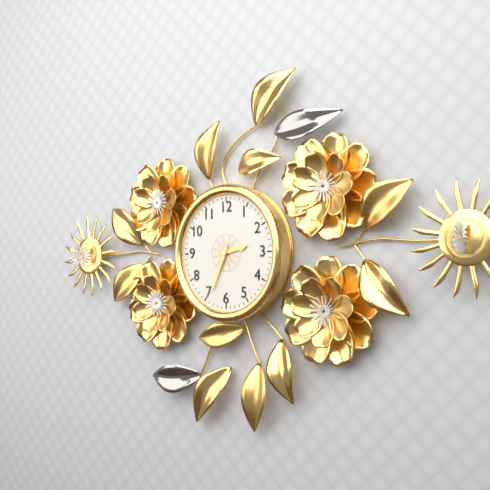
2:34
